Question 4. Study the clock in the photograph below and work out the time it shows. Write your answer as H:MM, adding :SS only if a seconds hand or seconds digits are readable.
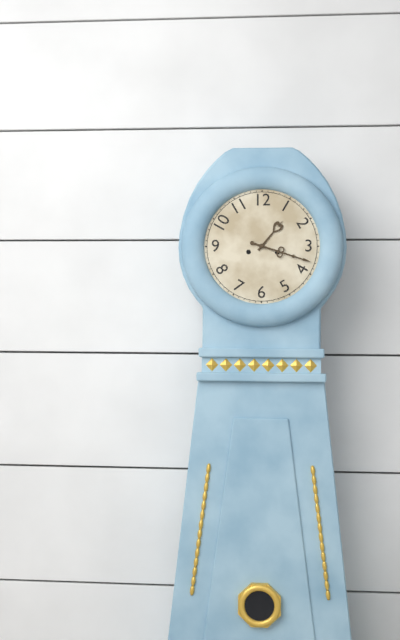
1:18
